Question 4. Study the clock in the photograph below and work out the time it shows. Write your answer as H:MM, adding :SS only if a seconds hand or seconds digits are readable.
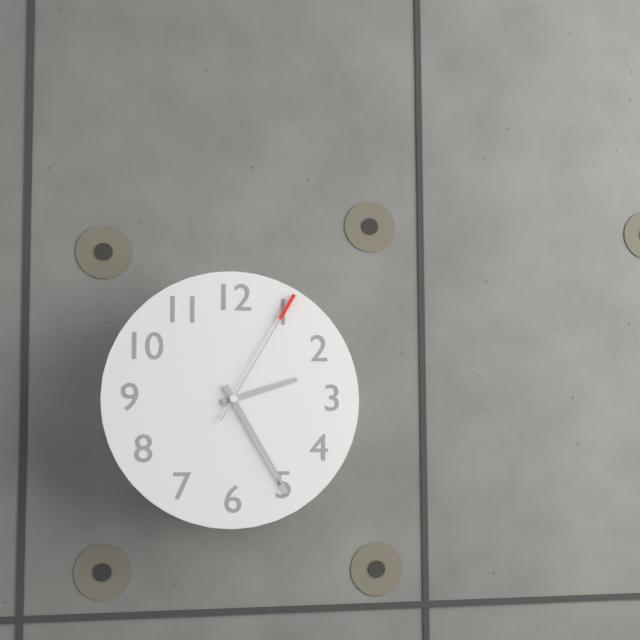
2:25:05
